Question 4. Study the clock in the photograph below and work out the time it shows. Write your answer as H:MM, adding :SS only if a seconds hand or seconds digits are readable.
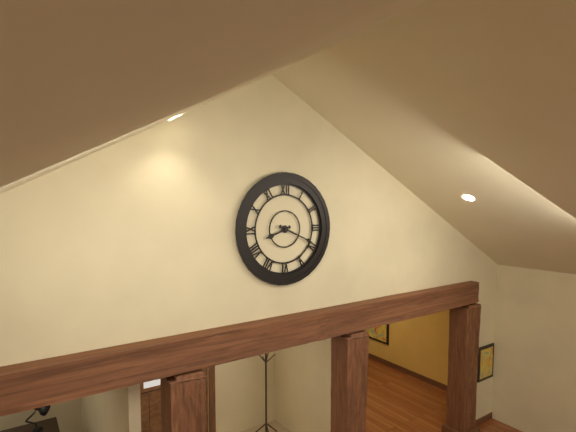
8:19
